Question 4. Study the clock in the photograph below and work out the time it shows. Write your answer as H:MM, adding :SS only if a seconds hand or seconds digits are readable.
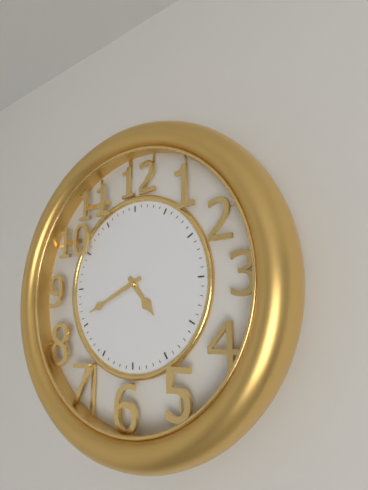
4:41
